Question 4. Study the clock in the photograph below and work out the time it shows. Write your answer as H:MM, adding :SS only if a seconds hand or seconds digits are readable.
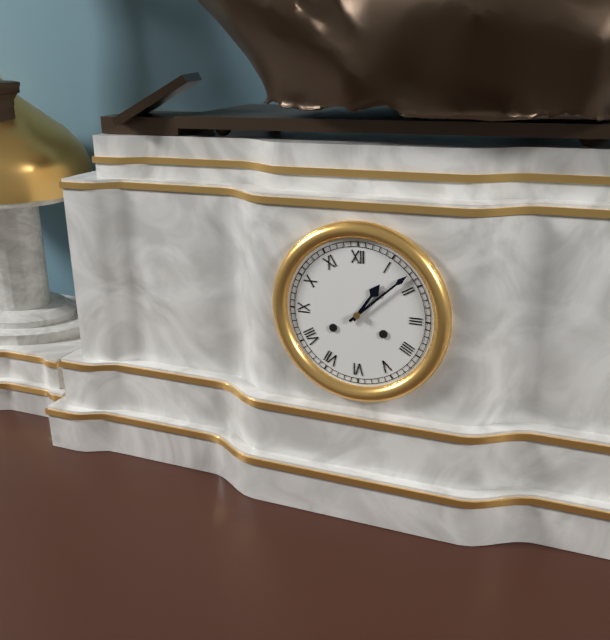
1:08
